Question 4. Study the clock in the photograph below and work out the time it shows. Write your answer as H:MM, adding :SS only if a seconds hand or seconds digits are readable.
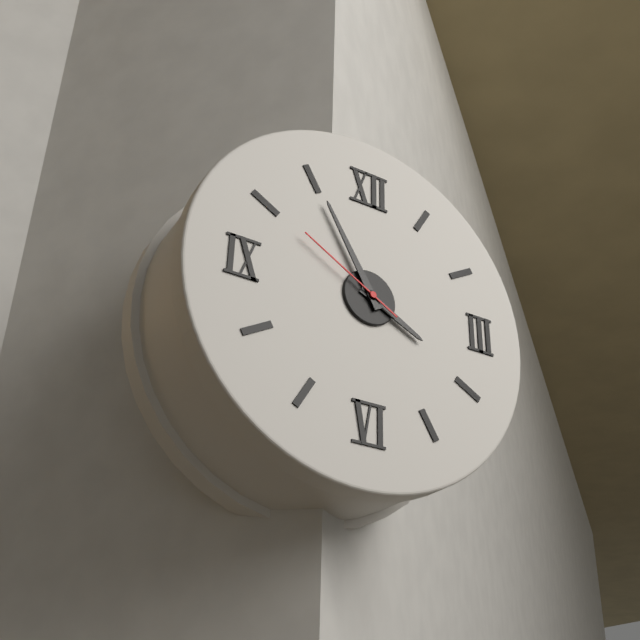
3:55:50
